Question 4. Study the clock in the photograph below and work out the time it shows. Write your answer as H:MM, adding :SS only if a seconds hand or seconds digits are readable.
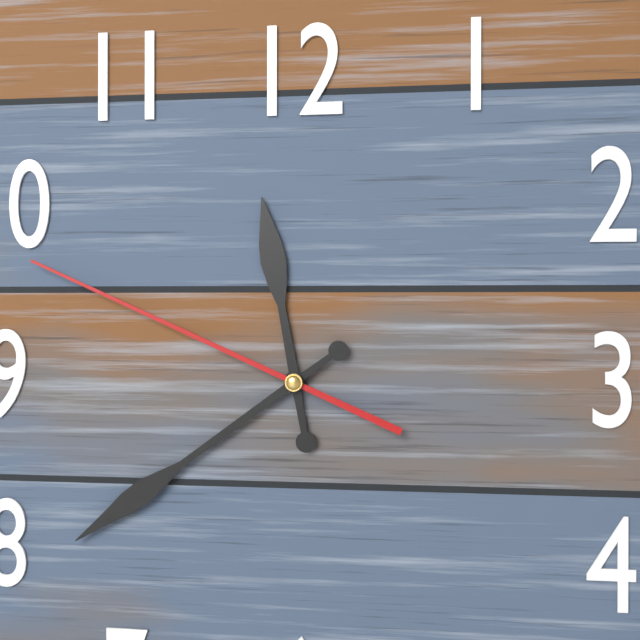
11:39:49
